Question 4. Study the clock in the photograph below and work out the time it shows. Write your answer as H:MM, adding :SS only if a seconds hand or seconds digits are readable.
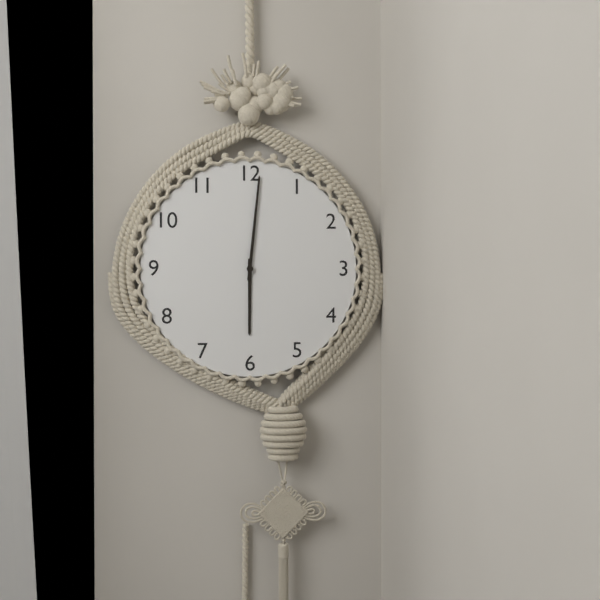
6:01
